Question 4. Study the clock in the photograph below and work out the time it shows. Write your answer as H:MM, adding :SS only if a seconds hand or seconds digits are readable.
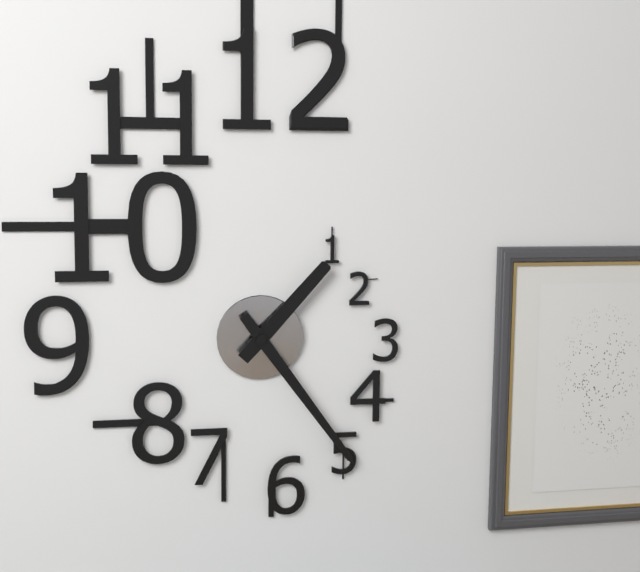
1:24
